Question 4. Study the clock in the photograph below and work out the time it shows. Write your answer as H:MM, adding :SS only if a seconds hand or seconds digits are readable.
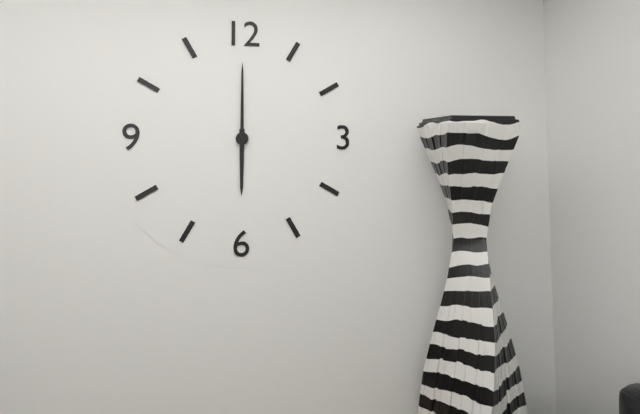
6:00
